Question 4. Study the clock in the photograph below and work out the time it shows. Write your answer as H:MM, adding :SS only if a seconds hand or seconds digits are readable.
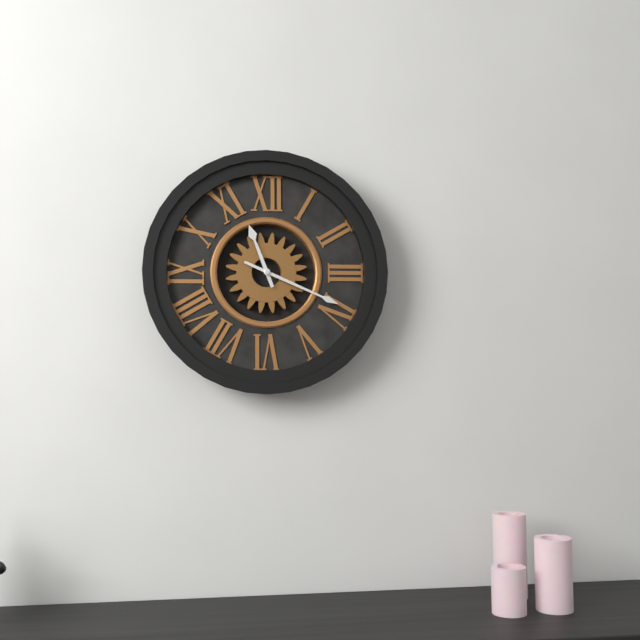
11:19
